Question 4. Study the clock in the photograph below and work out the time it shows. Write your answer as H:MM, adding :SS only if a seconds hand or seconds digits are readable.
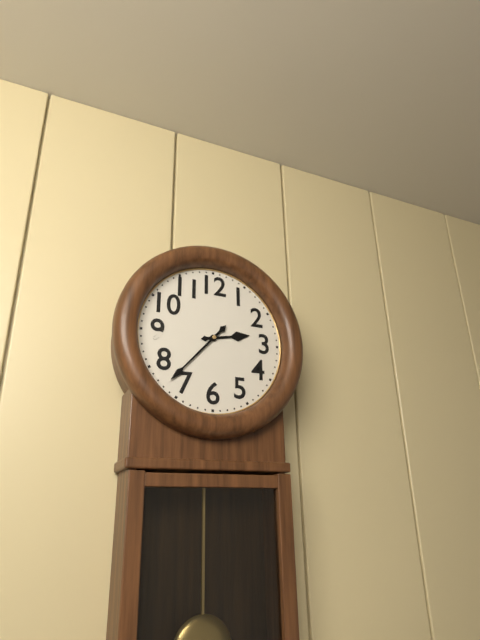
2:37
